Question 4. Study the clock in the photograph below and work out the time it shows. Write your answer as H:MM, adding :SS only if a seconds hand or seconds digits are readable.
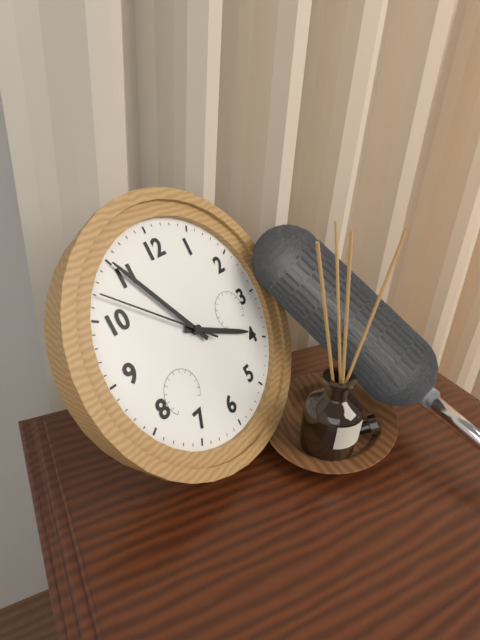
3:55:52
